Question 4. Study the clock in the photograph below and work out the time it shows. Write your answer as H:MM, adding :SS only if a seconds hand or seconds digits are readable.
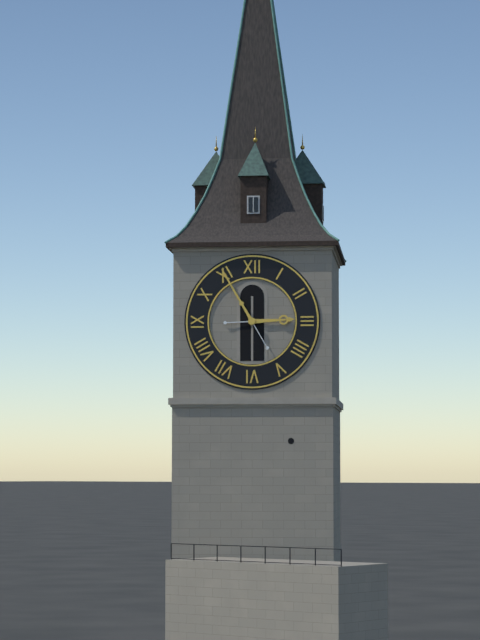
2:55
